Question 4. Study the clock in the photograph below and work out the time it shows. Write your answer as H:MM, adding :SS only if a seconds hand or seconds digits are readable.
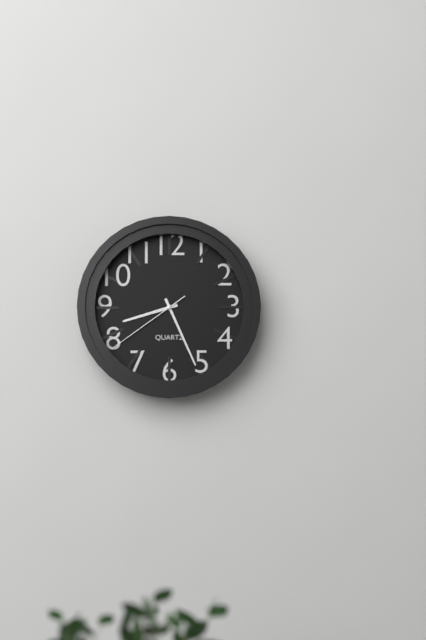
8:26:39
